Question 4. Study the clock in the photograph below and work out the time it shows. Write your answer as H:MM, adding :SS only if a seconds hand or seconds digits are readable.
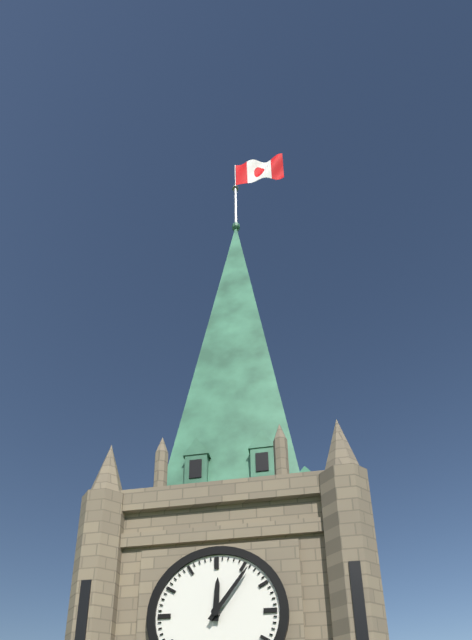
12:06
